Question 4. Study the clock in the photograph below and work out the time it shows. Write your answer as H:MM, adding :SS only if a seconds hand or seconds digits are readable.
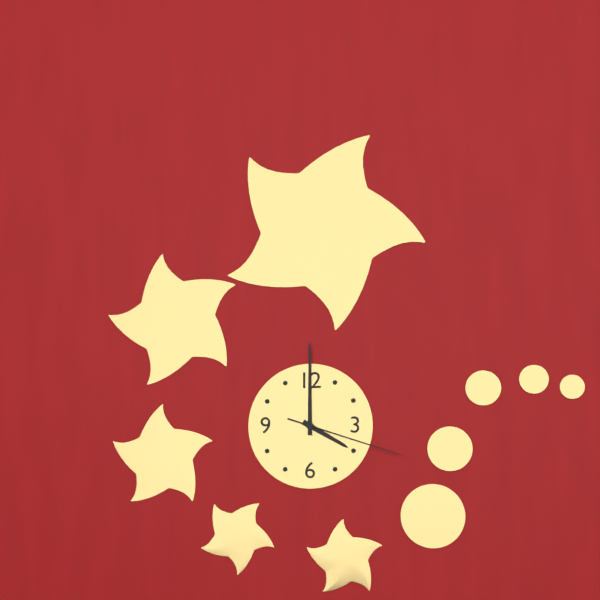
4:00:18
